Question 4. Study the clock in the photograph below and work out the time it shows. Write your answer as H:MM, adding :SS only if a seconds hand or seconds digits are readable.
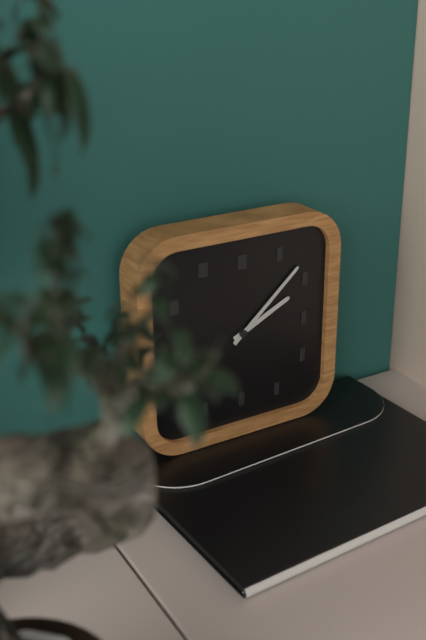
2:08
